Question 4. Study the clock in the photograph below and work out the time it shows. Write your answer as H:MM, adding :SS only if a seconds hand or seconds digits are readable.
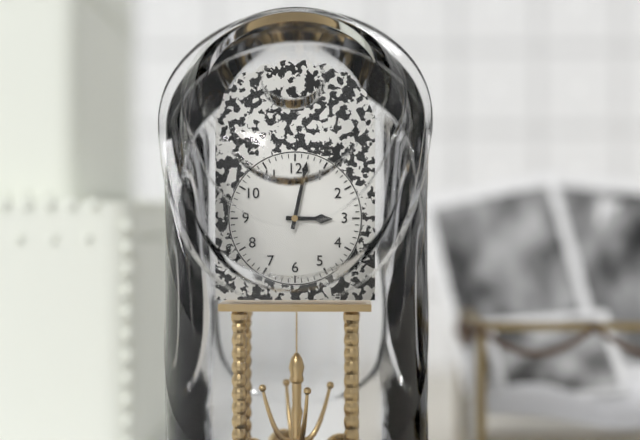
3:02
